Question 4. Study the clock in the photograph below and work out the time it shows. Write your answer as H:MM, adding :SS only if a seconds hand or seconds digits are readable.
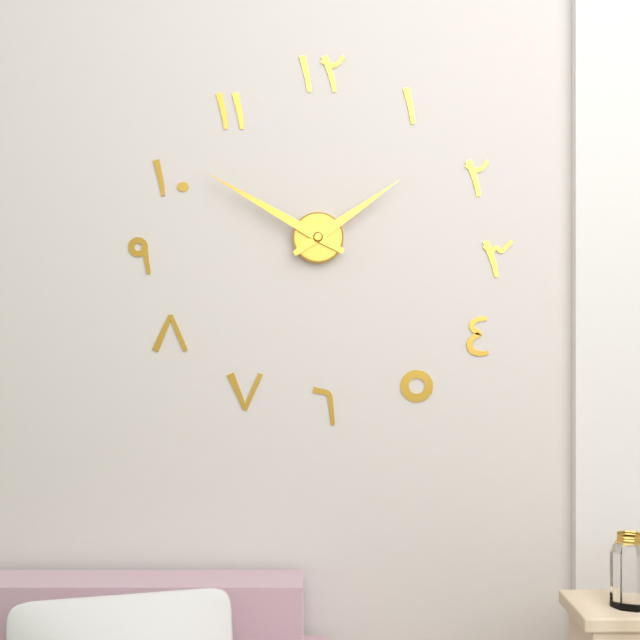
1:50
